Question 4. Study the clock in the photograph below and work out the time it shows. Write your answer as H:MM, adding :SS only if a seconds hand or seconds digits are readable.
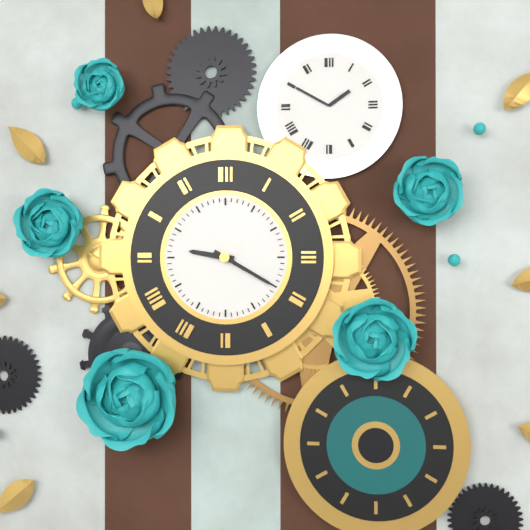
9:20
